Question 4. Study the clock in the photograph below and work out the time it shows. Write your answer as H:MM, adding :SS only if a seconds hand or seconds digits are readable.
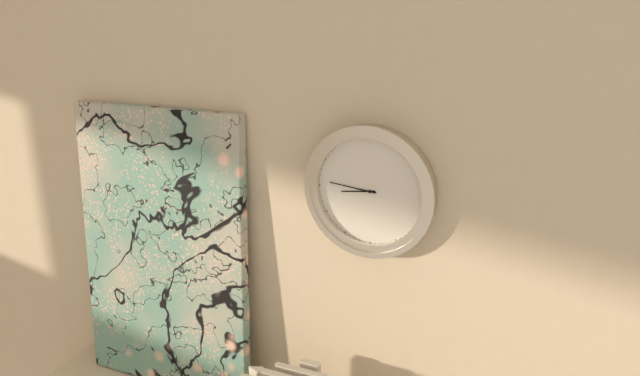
8:46
